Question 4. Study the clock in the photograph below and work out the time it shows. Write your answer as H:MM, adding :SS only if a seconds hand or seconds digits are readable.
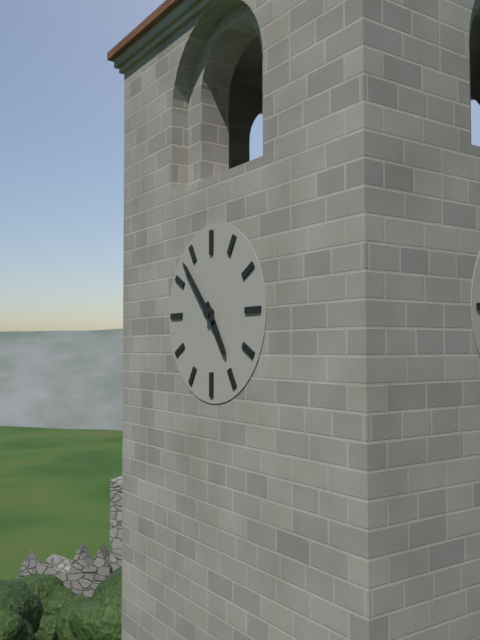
4:53
